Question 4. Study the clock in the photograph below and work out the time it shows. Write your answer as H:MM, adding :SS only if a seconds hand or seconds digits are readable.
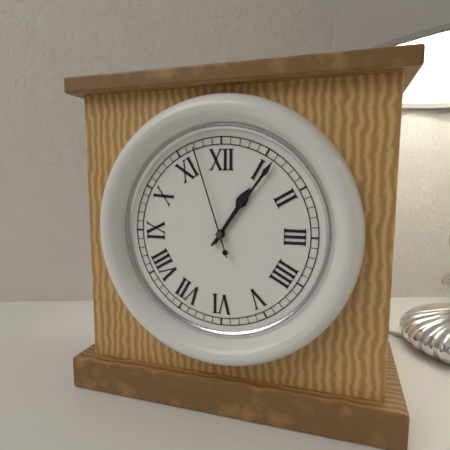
1:06:57
